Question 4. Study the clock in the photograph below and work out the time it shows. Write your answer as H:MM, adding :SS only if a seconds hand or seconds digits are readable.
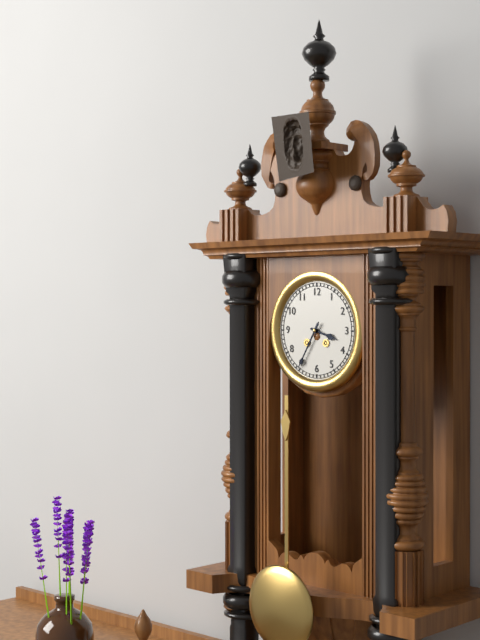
3:35
